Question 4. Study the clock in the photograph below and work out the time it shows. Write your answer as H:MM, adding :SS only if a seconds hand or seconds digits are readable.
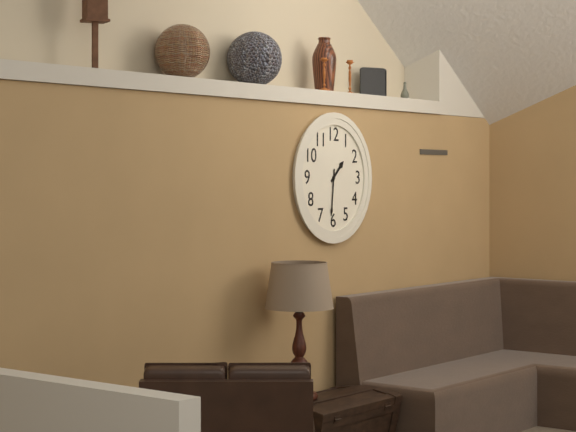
1:31
